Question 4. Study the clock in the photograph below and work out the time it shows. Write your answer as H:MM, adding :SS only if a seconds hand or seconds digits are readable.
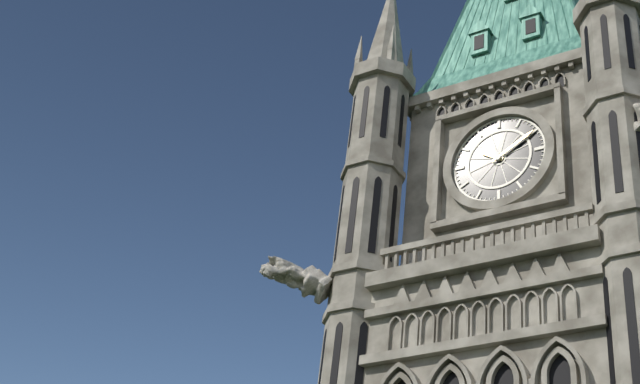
10:10
